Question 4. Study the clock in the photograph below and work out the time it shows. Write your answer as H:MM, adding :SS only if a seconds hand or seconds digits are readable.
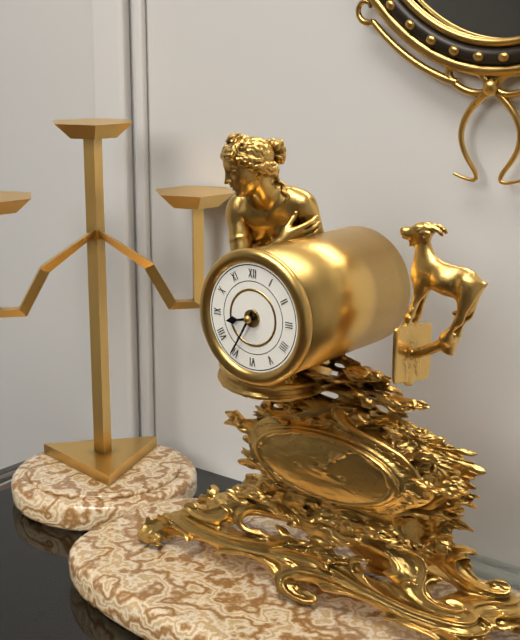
8:35
